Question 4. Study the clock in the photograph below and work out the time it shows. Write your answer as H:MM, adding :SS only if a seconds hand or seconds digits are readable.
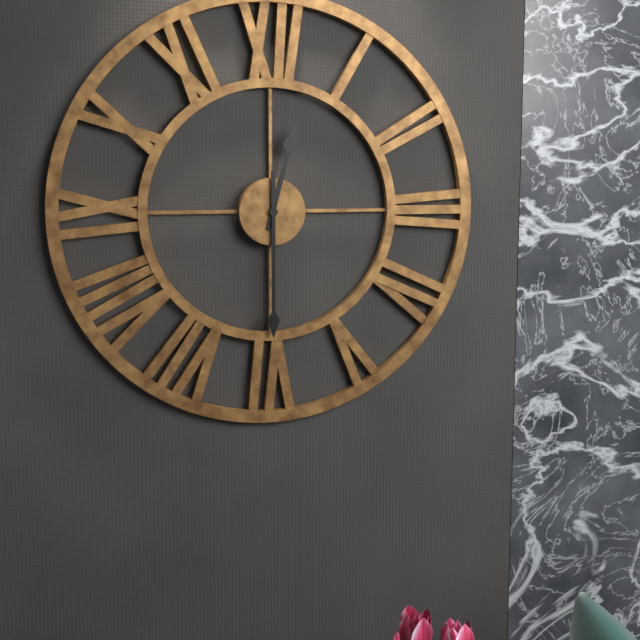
12:30
